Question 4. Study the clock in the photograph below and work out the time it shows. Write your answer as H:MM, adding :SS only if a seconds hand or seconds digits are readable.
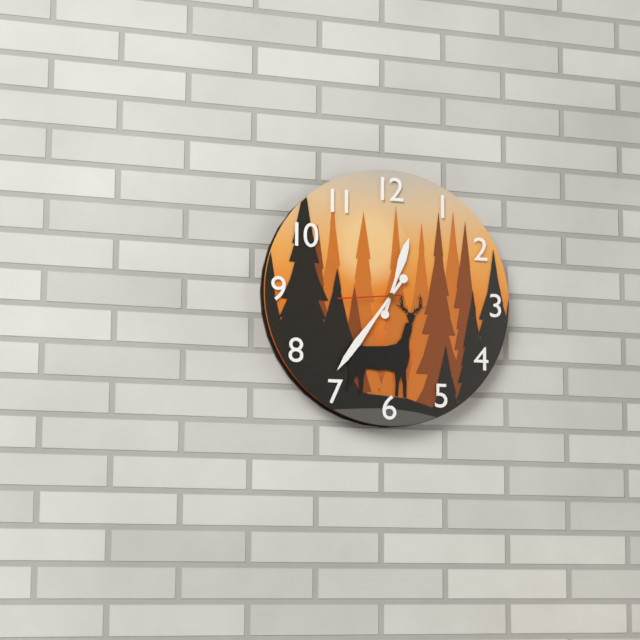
12:36:44
